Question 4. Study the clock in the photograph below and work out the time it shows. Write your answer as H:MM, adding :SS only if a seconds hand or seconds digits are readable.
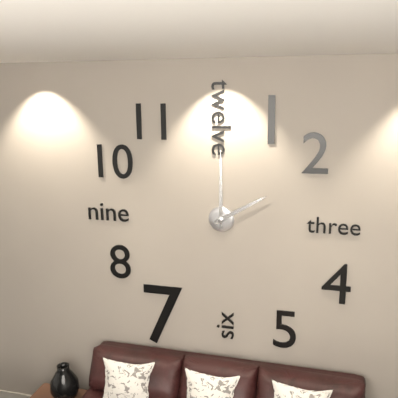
2:00
